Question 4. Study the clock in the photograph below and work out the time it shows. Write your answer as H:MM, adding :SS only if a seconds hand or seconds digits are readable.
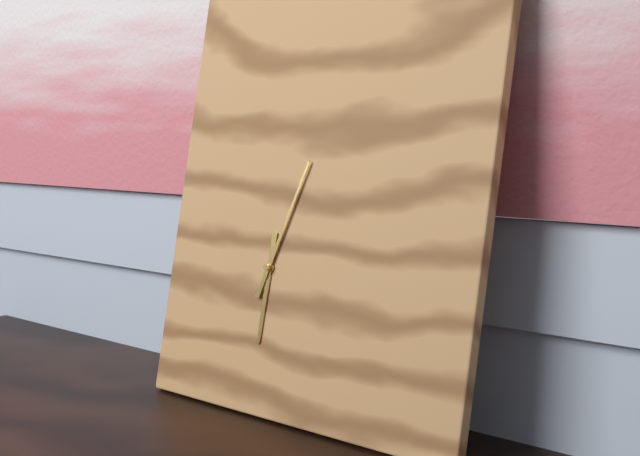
6:03
